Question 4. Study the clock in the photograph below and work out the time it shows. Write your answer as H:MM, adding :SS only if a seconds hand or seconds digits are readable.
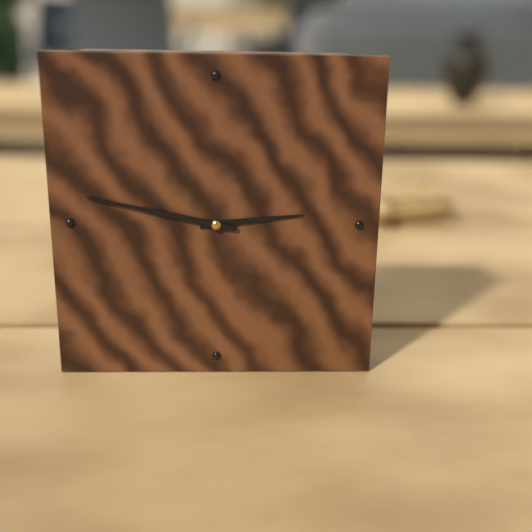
2:47
